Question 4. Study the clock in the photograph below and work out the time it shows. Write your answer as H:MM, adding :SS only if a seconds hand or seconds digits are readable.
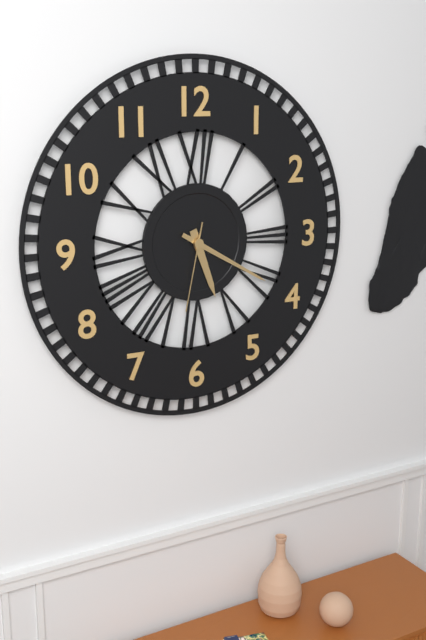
5:20:32
